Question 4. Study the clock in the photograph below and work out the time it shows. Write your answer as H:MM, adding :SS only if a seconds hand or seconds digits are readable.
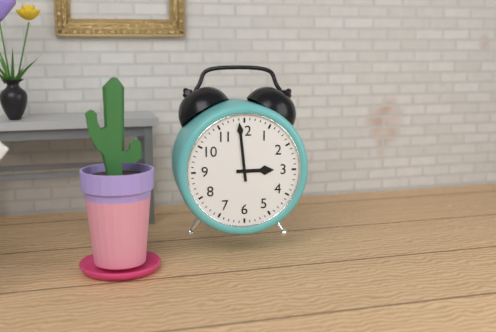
2:59
